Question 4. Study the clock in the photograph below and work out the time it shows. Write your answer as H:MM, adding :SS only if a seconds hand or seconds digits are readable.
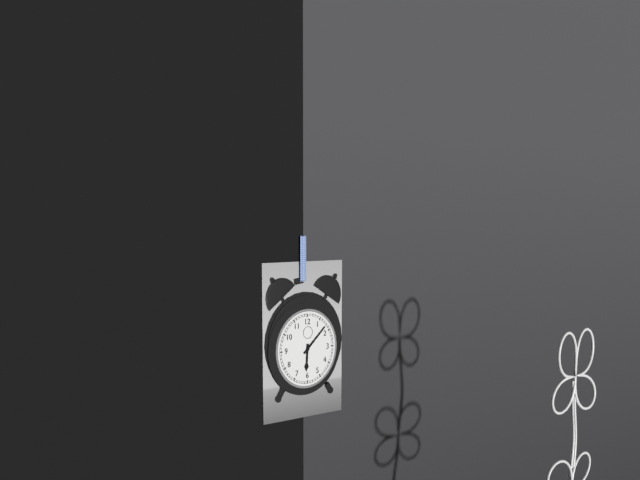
6:08
